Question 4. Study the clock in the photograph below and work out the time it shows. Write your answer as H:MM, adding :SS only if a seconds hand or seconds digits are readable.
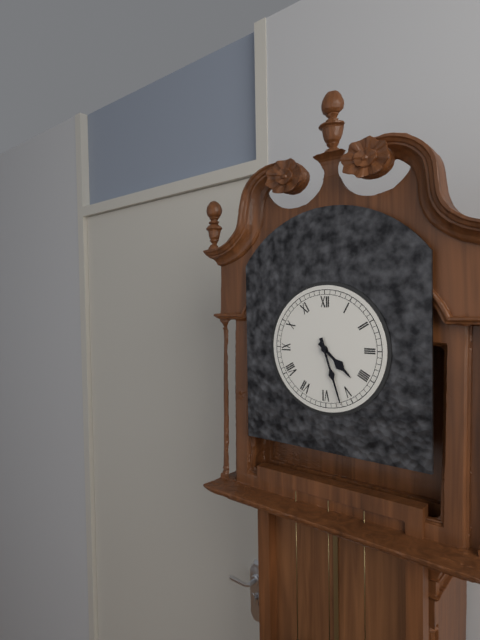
4:27
